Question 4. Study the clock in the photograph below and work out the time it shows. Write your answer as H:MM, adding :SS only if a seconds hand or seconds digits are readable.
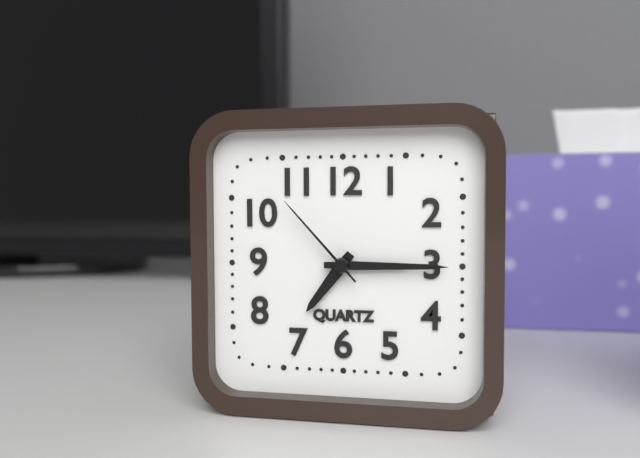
7:15:53
